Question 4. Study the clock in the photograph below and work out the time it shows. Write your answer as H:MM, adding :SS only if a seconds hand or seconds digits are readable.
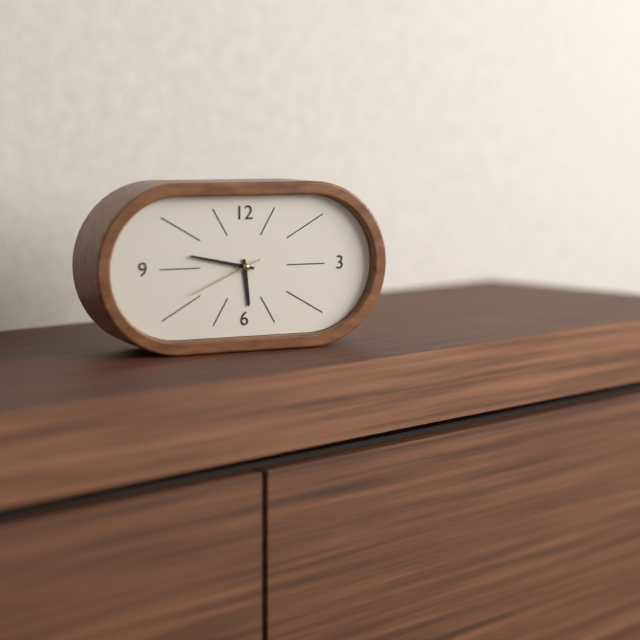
5:47:41
